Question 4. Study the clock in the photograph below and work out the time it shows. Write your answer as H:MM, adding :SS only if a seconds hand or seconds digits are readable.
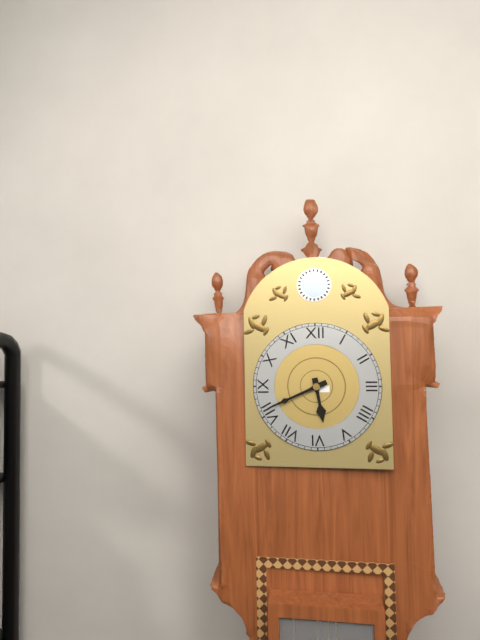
5:41
